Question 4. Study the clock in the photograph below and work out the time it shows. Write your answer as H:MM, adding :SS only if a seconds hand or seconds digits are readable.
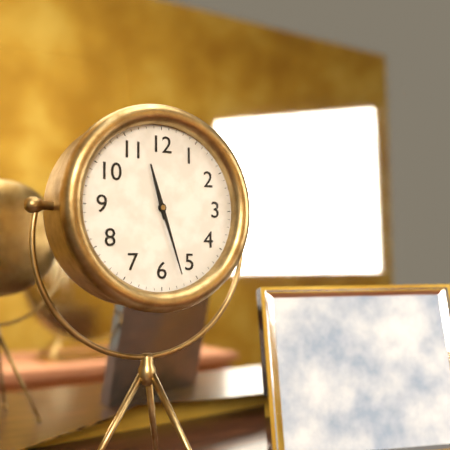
11:27
